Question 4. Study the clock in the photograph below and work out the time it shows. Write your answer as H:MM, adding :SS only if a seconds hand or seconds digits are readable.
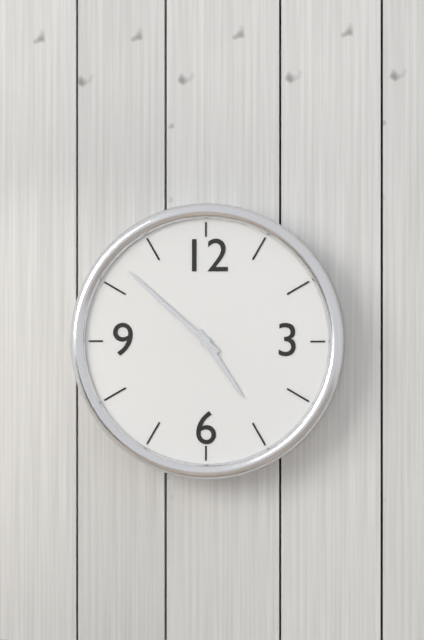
4:52
